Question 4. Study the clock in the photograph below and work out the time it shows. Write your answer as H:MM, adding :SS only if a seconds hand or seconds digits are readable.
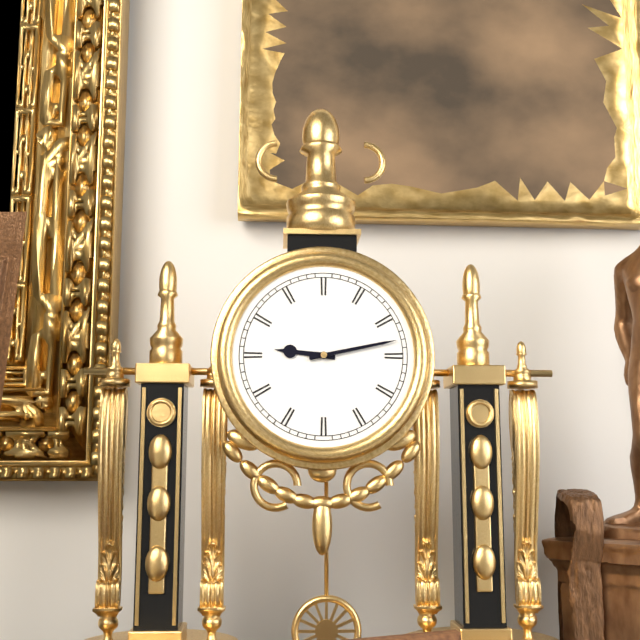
9:13
